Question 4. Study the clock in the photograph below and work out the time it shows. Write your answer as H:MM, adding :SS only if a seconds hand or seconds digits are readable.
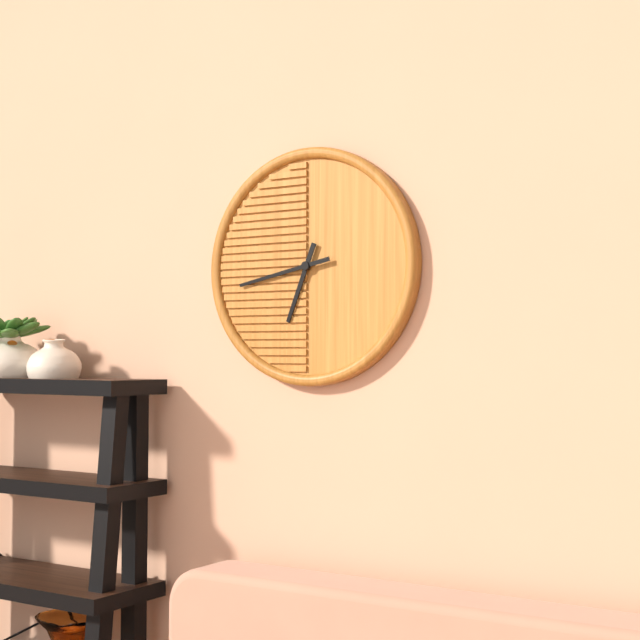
6:43
